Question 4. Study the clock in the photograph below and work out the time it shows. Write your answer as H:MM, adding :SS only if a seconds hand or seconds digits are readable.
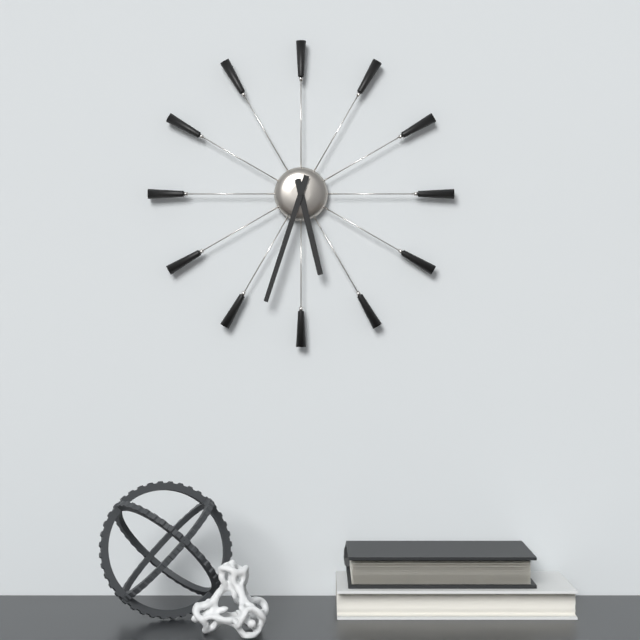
5:33
